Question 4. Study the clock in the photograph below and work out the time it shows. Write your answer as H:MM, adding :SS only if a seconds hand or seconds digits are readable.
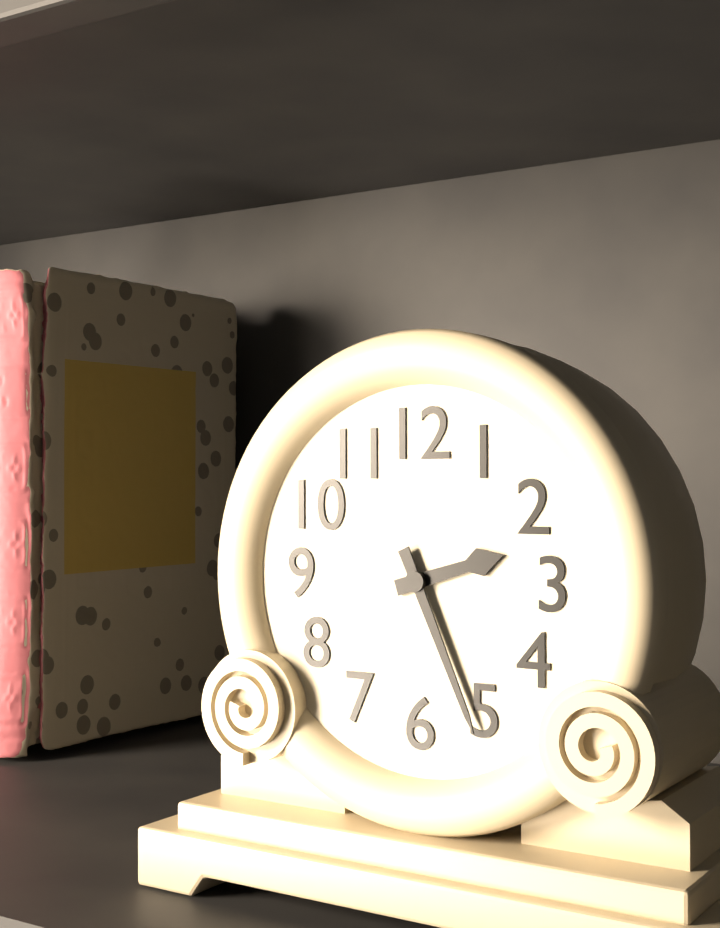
2:26
